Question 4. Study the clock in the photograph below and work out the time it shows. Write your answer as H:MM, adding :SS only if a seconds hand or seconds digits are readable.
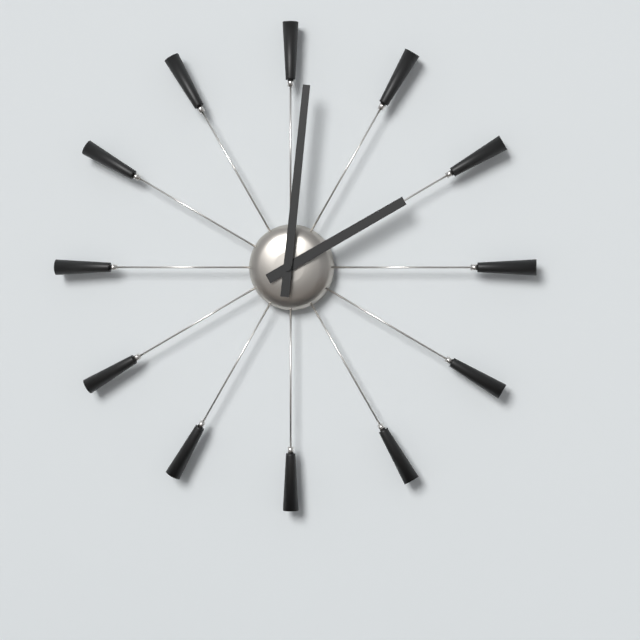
2:01
